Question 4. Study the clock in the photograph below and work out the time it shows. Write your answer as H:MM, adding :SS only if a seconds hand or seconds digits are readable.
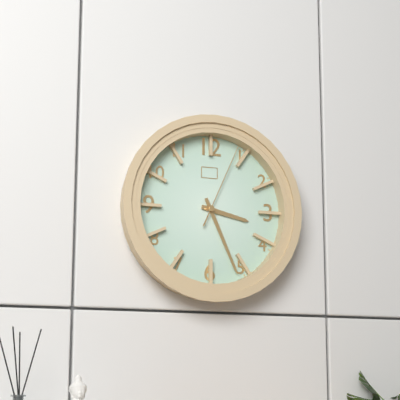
3:26:04
